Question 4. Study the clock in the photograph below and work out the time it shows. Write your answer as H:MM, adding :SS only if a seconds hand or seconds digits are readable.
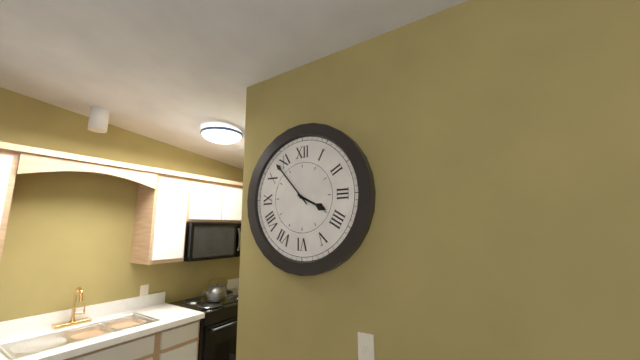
3:53
